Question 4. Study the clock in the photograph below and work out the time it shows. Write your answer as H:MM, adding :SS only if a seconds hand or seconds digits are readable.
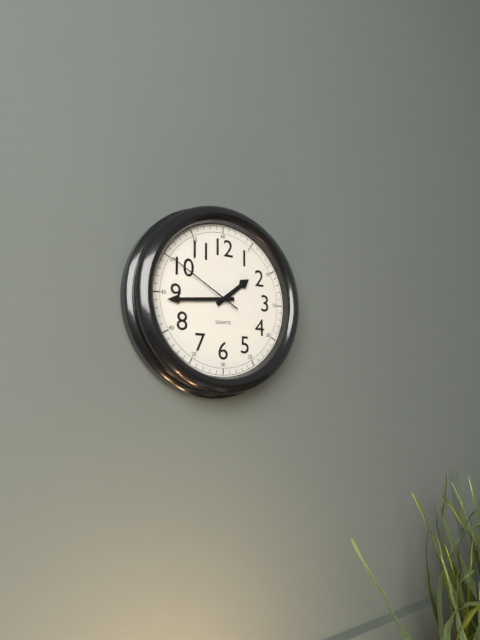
1:44:50
